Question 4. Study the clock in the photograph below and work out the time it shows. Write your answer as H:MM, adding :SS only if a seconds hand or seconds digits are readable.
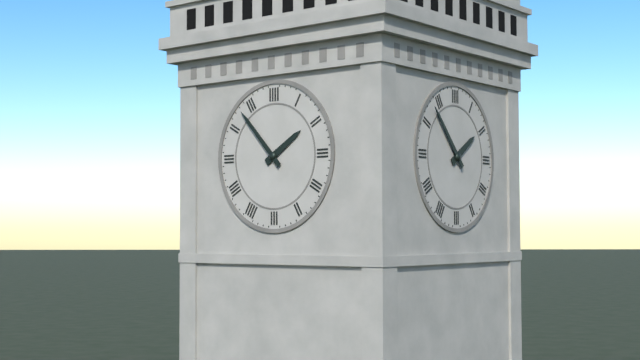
1:53
